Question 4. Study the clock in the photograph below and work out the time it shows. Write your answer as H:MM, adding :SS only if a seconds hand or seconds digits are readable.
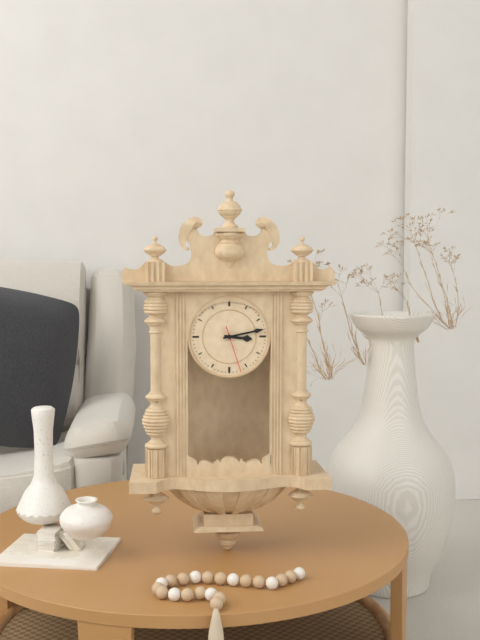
3:13
